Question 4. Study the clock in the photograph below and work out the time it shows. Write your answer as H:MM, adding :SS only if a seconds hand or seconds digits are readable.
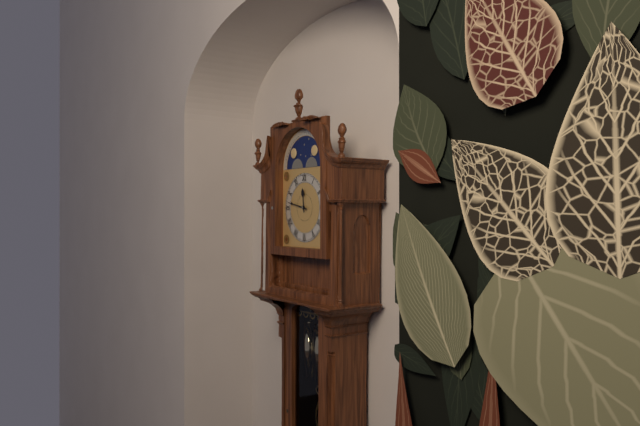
11:47
